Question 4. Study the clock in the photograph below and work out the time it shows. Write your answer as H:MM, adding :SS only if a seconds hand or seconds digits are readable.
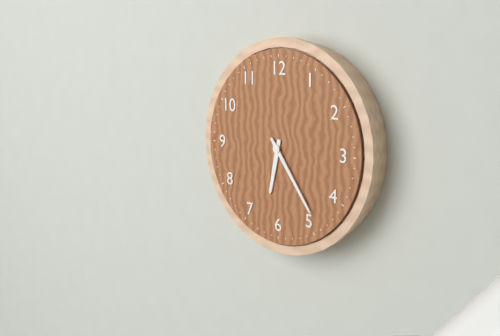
6:24
